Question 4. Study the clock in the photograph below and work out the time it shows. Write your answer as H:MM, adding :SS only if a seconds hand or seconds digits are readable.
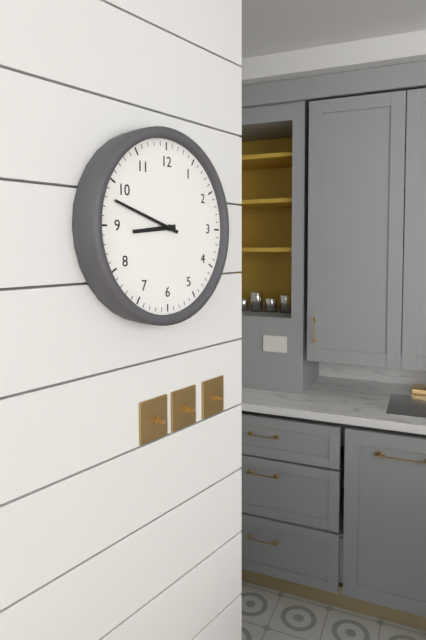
8:48
